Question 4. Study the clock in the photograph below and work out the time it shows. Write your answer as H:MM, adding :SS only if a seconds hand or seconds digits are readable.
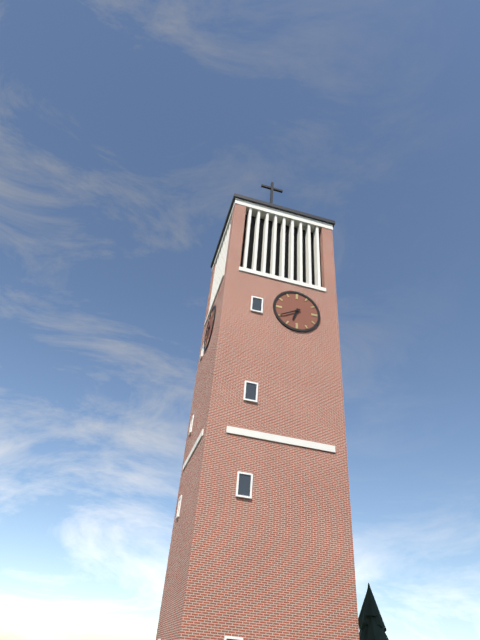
6:40
